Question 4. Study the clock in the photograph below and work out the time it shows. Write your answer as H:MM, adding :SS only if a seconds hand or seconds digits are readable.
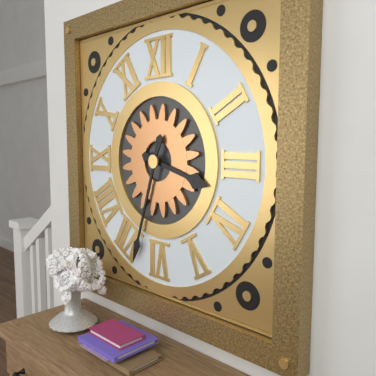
3:33
